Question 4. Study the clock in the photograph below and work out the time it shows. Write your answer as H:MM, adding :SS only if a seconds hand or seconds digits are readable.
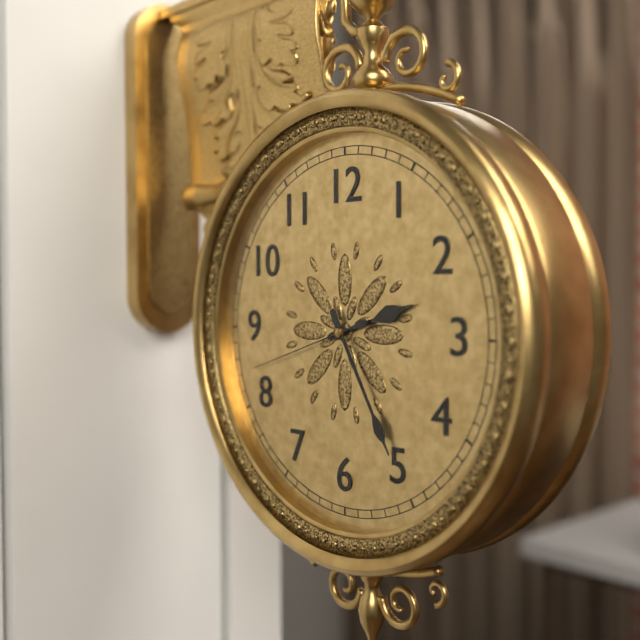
2:25:42
